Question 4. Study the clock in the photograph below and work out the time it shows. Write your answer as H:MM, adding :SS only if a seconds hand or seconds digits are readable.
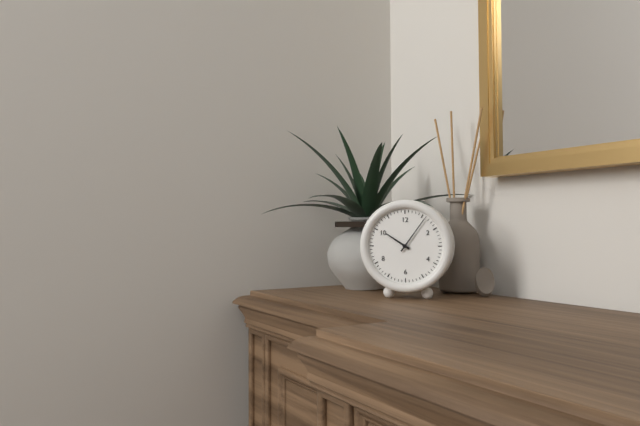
10:06
